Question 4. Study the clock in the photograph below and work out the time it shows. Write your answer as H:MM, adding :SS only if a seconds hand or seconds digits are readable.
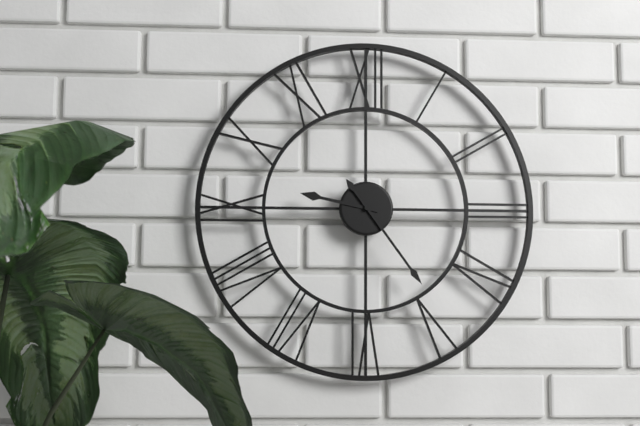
9:24
